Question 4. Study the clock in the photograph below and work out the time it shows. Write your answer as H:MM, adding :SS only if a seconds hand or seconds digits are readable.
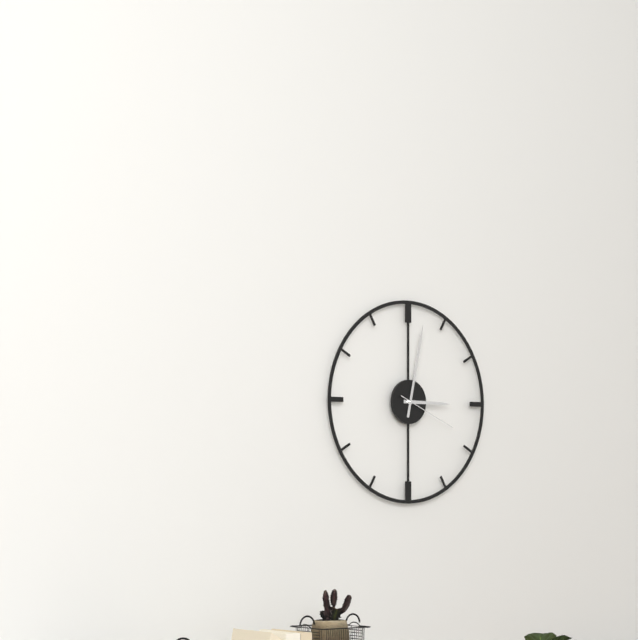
3:02:19
